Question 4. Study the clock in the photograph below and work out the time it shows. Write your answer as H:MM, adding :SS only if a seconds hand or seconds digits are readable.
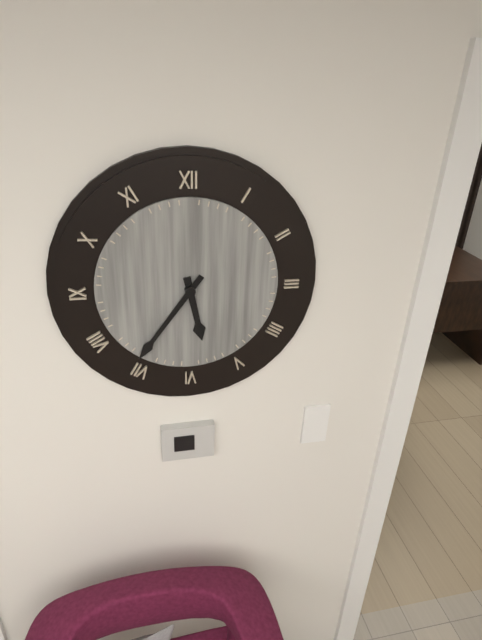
5:36
